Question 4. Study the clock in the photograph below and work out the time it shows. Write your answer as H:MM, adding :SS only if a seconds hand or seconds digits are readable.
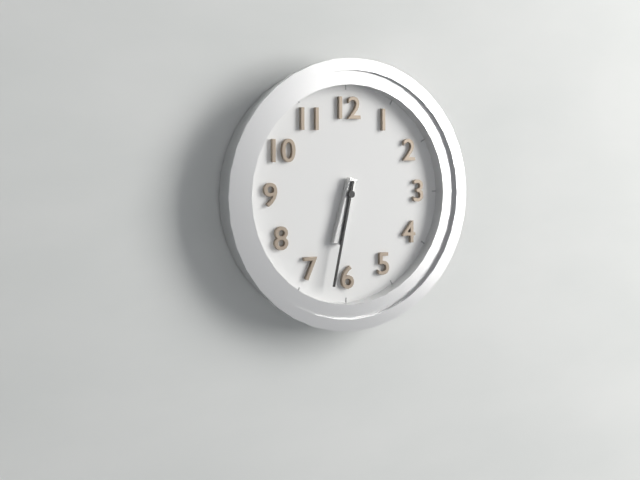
6:32
